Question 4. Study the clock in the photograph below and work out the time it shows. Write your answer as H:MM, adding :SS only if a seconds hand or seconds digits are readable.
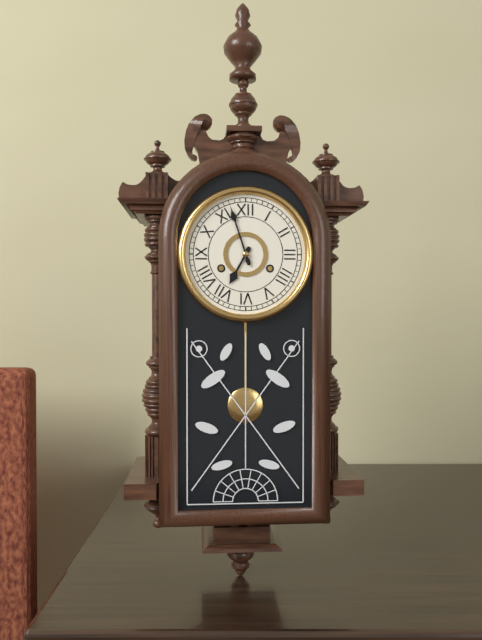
6:57
